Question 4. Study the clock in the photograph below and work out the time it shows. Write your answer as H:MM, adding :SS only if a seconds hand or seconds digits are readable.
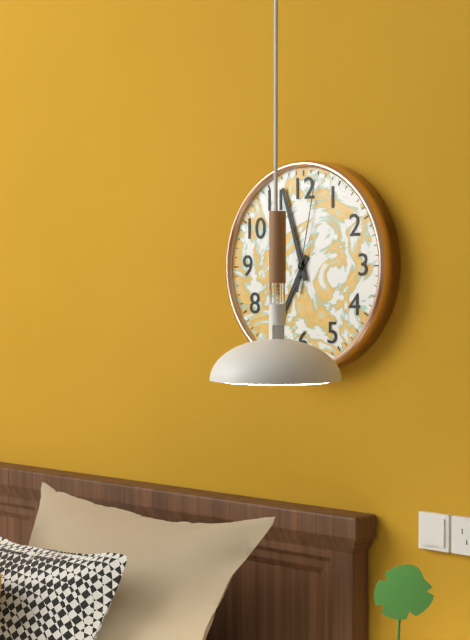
6:57:02
